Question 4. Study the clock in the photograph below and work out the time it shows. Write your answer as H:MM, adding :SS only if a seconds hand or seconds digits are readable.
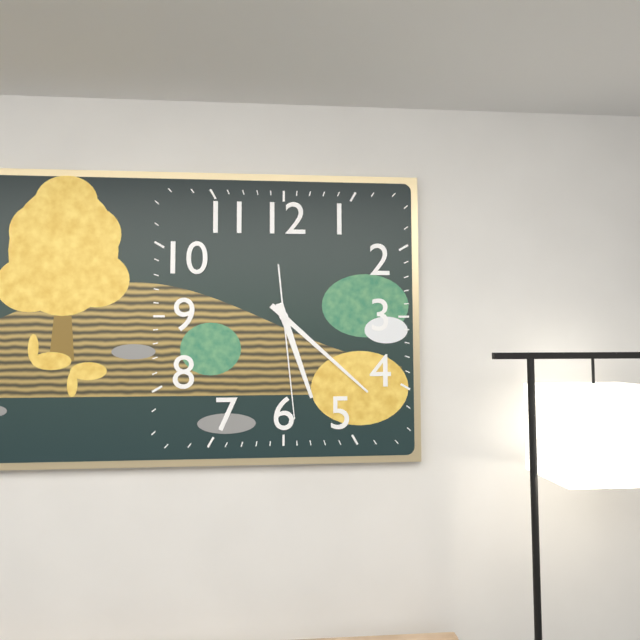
5:22:29
